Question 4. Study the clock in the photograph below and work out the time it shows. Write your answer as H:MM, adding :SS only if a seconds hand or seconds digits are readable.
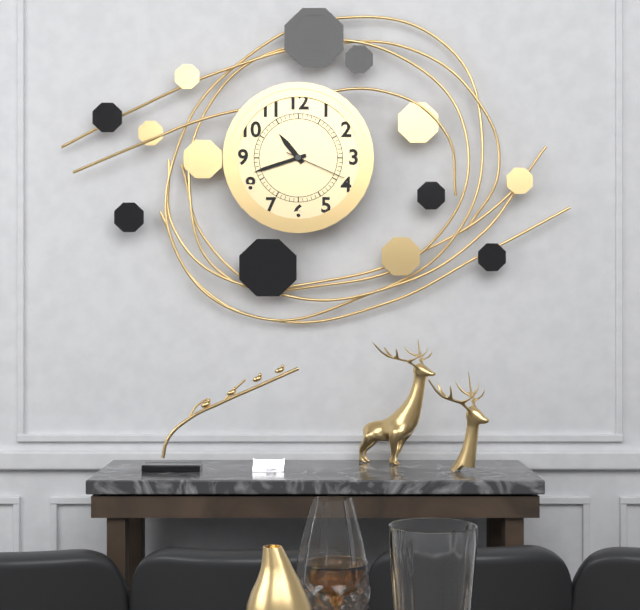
10:42:19
